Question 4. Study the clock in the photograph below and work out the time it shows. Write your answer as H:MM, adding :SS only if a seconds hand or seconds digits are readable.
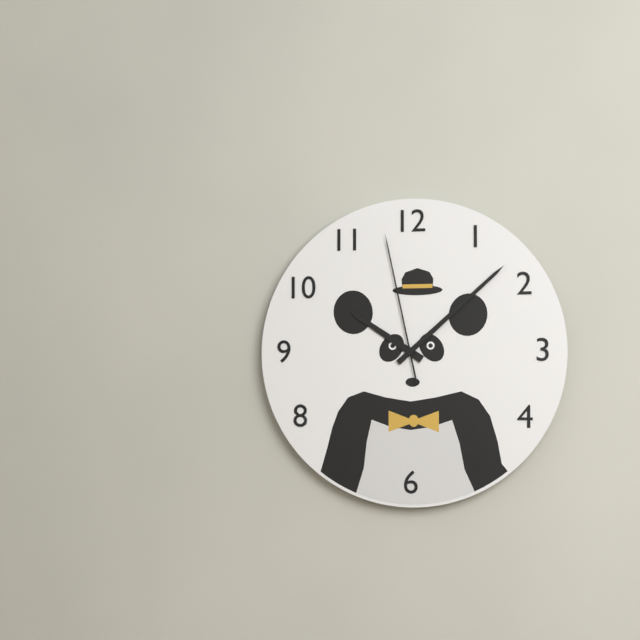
10:08:58
